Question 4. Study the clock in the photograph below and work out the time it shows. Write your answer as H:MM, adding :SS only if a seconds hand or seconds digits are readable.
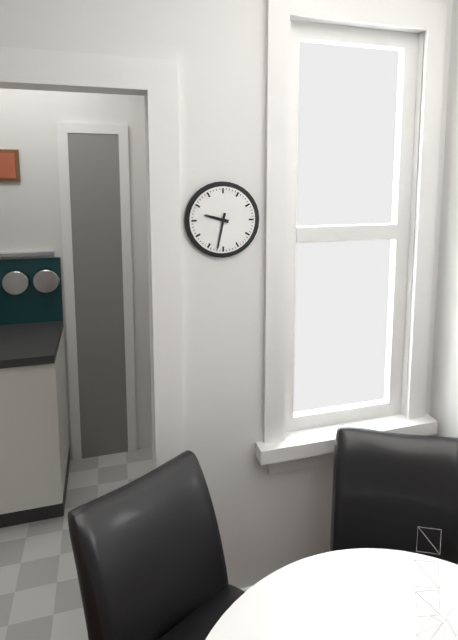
9:32
